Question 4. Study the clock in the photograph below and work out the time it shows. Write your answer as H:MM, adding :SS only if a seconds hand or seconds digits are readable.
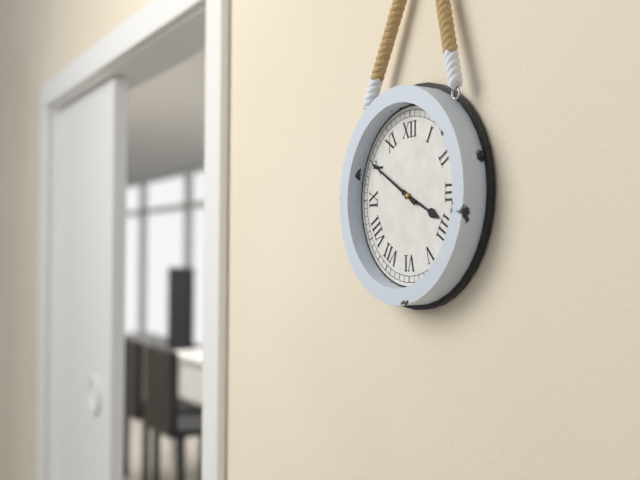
3:50
